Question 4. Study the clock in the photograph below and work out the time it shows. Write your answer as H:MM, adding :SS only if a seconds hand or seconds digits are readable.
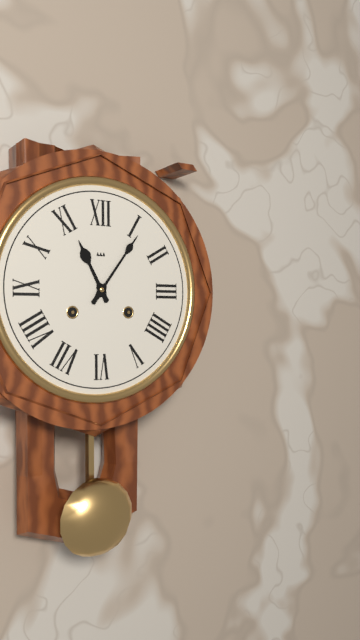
11:06
